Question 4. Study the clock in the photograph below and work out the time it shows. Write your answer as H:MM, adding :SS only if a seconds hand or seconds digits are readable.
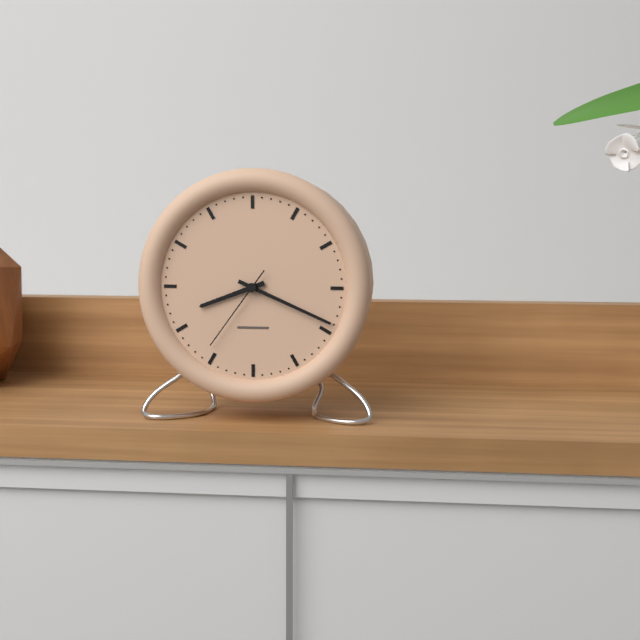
8:19:36
